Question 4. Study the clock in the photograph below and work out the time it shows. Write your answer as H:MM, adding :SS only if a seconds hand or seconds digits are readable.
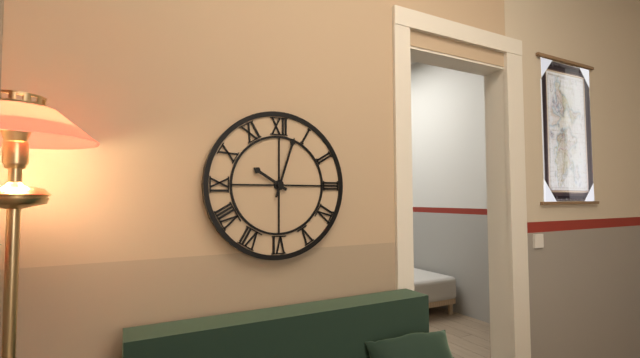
10:03
